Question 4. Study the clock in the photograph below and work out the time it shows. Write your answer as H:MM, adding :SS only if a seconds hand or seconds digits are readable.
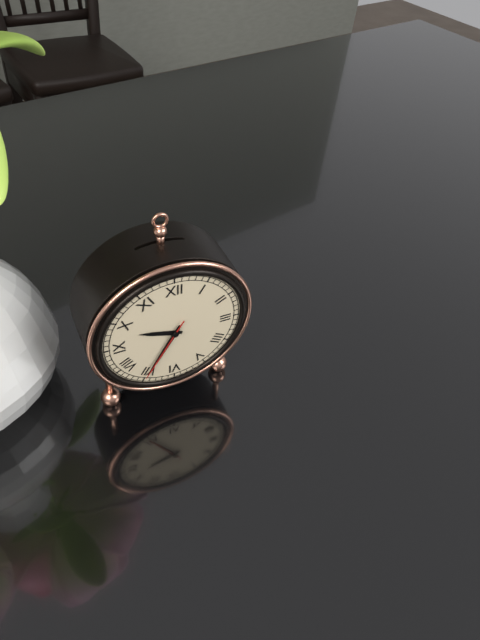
9:35:35
